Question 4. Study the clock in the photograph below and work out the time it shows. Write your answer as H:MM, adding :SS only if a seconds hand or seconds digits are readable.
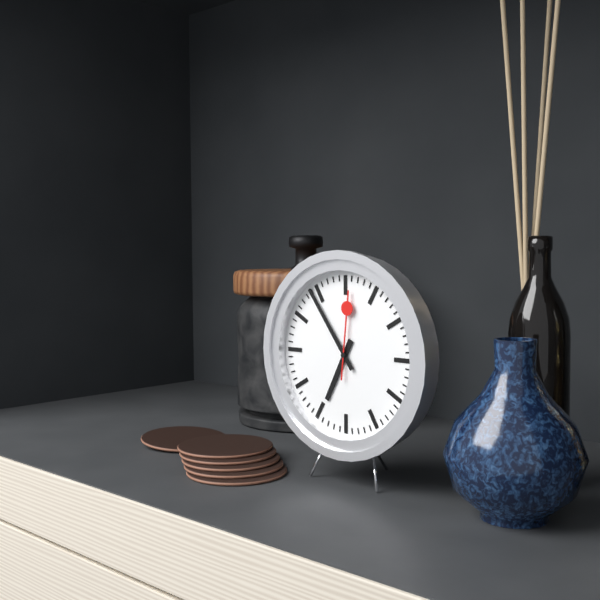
6:54:01
